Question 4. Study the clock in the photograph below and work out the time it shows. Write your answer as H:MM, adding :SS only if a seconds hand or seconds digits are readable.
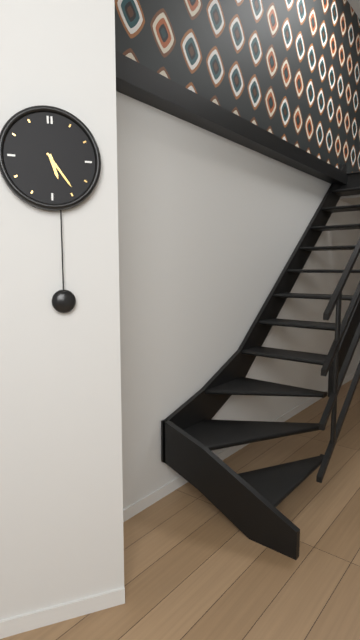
5:24
